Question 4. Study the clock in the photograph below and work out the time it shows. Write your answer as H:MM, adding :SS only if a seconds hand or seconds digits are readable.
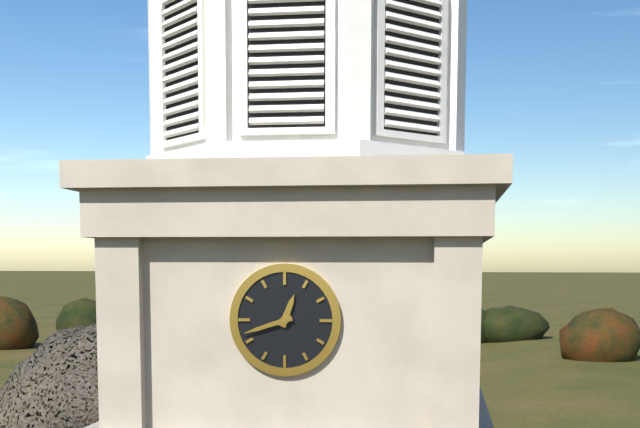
12:42
